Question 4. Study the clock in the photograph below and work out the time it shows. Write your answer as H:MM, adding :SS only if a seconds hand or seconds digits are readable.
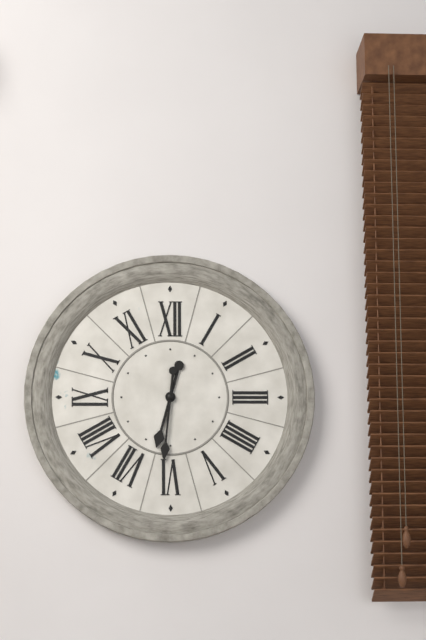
6:31
